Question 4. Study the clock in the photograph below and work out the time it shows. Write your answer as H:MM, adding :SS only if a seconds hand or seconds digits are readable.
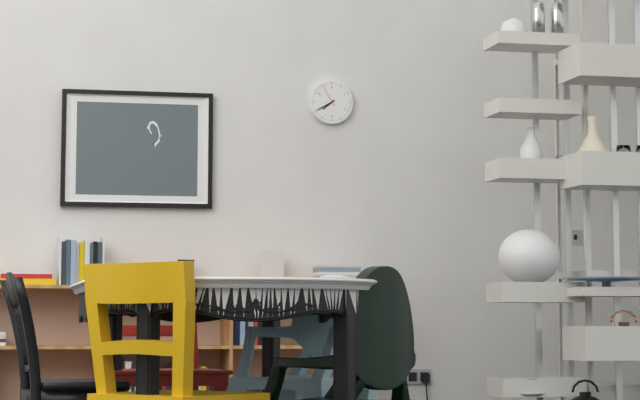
7:40
